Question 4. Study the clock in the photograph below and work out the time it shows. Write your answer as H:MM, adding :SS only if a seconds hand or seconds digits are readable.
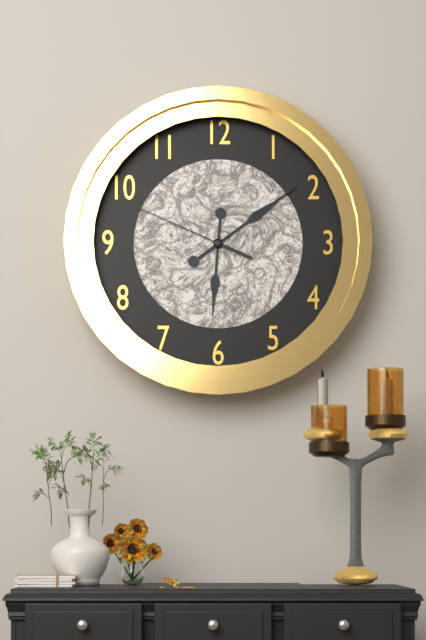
6:09:49
